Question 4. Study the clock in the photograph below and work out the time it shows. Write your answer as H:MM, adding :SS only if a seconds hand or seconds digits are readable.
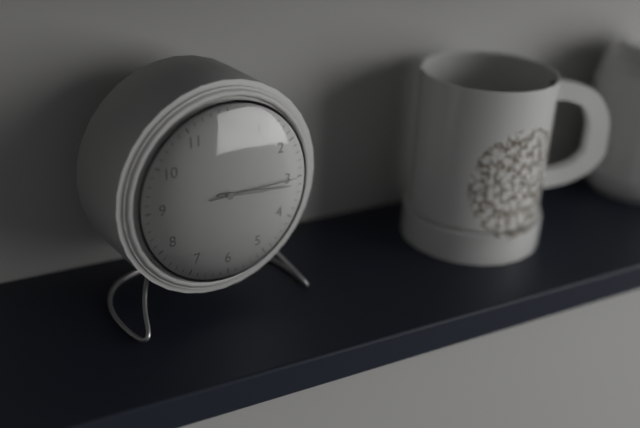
3:16:15
